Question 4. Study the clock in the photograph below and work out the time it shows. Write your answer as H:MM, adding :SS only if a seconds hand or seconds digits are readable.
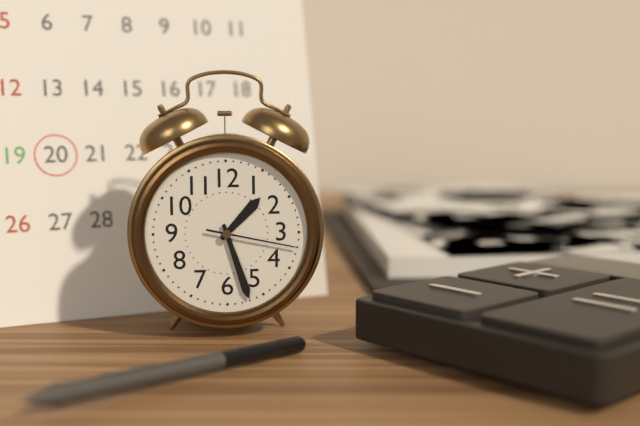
1:27:17
